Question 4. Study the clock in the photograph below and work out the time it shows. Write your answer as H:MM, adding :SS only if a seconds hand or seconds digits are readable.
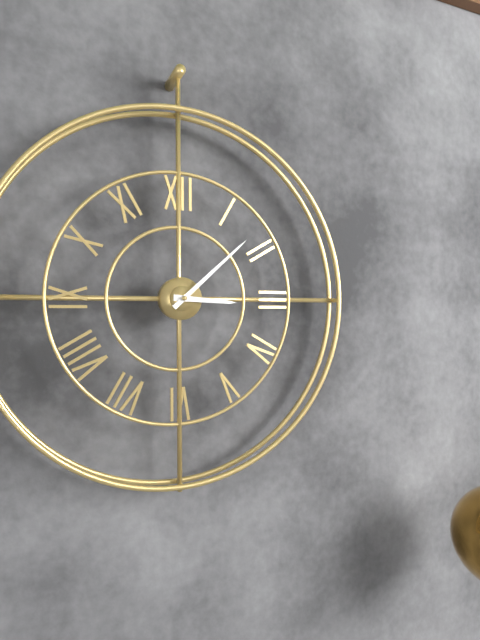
3:08
